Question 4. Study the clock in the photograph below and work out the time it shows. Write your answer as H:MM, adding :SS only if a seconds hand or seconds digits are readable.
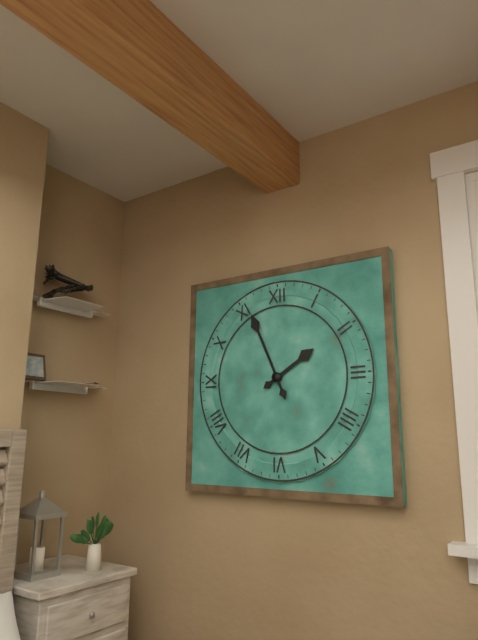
1:56
